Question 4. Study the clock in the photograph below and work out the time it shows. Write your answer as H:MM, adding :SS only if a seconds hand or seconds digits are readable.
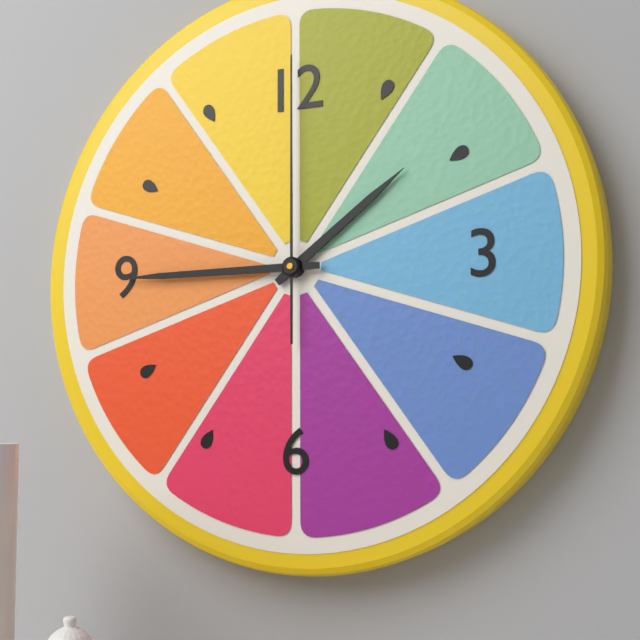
1:45:00
